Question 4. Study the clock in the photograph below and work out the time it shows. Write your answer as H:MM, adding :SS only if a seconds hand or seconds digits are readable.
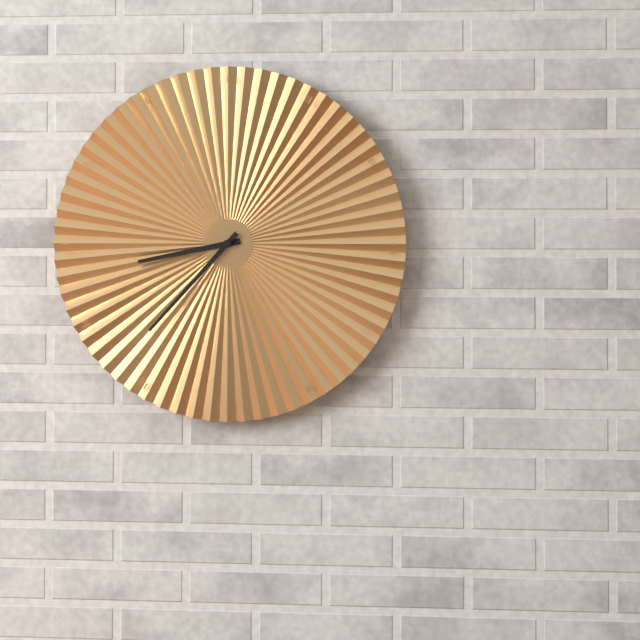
8:37
